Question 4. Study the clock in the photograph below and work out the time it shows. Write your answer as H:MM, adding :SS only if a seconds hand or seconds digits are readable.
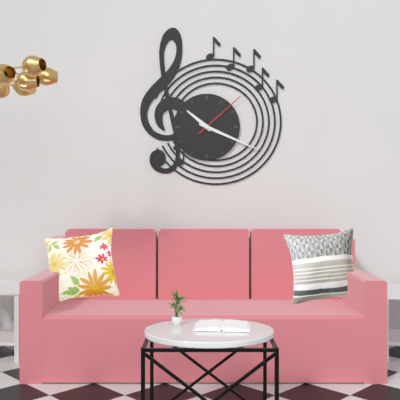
10:19:08
